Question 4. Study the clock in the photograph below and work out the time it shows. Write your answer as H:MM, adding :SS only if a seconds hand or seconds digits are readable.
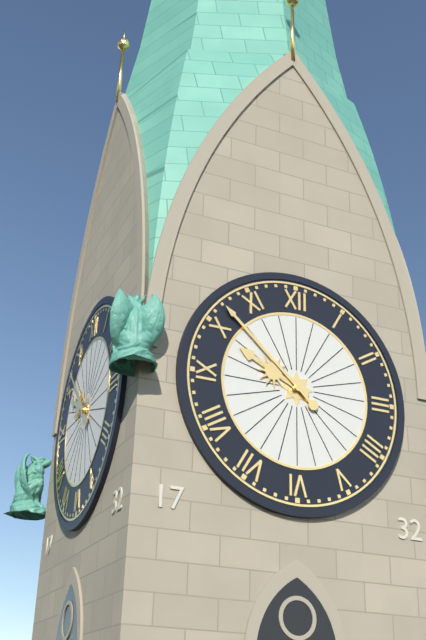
9:52
